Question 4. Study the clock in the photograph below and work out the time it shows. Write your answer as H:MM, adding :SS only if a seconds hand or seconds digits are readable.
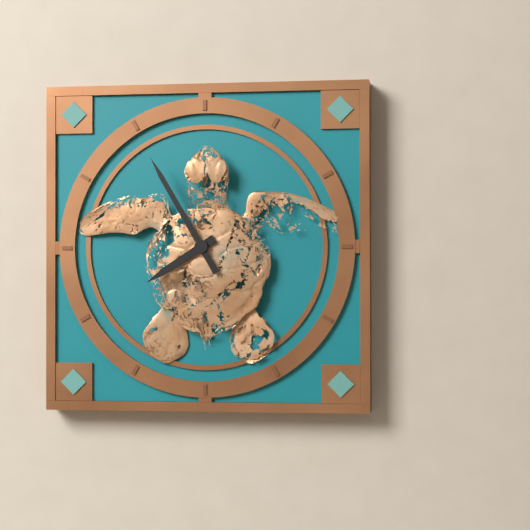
7:55
